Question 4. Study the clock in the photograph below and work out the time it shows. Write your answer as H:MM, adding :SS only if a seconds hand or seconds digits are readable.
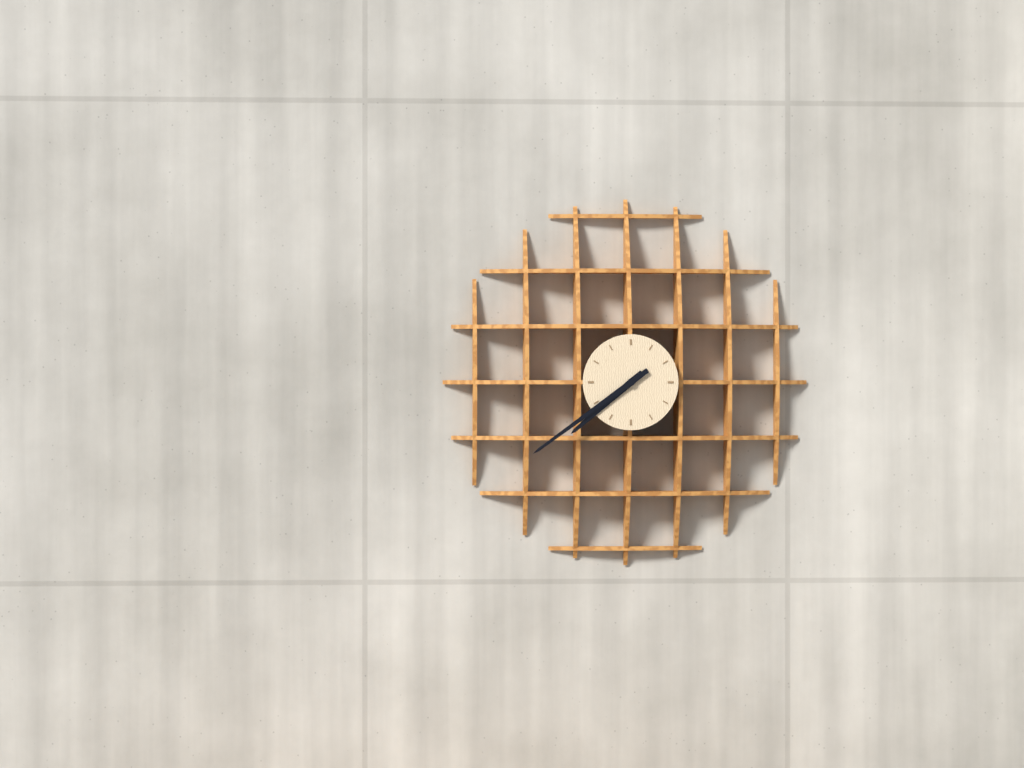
7:39
